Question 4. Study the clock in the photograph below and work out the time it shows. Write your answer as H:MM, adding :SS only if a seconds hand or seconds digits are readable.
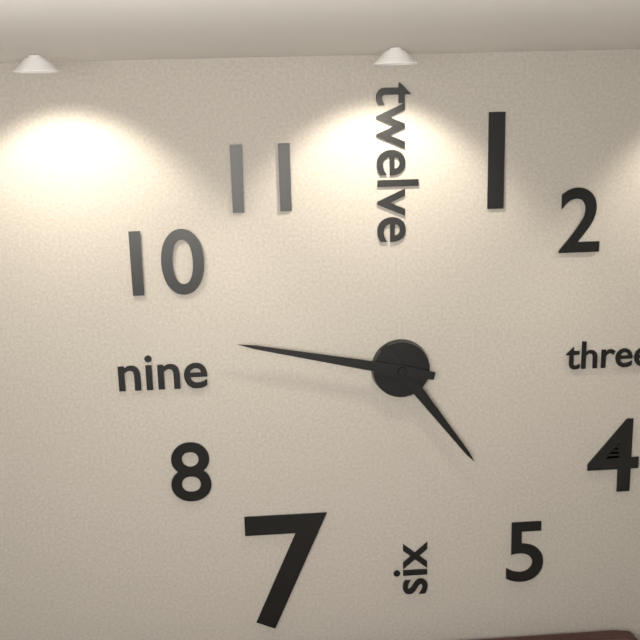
4:47
